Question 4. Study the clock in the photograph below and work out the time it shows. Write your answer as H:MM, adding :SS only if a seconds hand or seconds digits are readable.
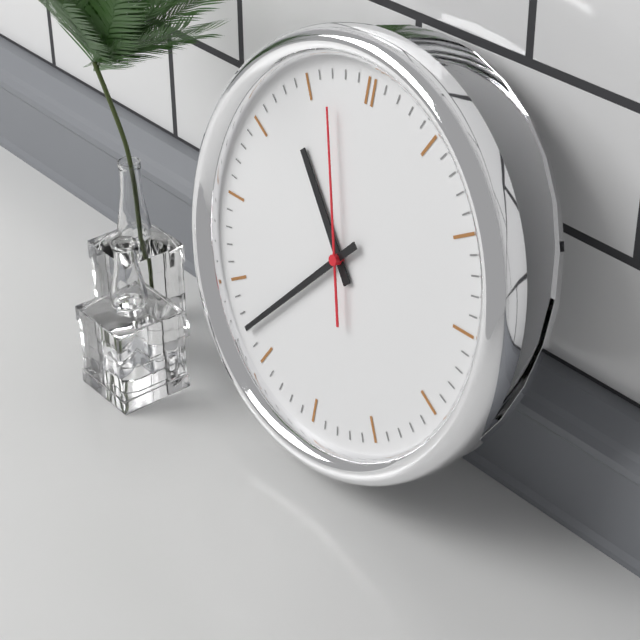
10:37:57
